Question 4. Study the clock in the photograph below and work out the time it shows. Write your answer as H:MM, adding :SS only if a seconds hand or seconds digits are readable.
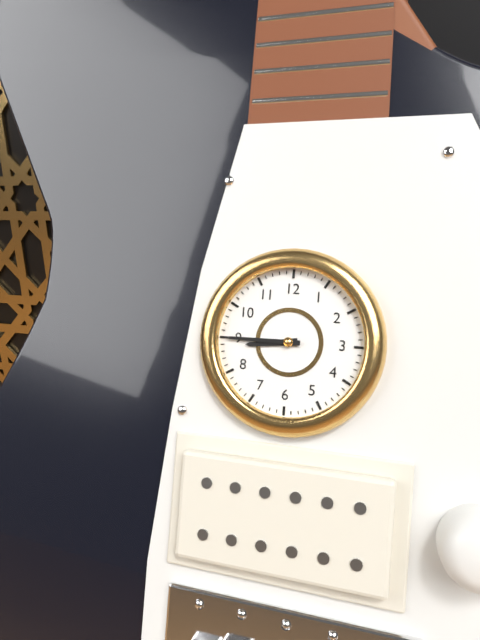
8:45
